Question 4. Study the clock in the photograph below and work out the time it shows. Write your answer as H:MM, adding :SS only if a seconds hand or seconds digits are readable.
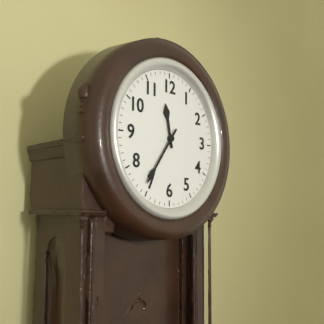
11:36
